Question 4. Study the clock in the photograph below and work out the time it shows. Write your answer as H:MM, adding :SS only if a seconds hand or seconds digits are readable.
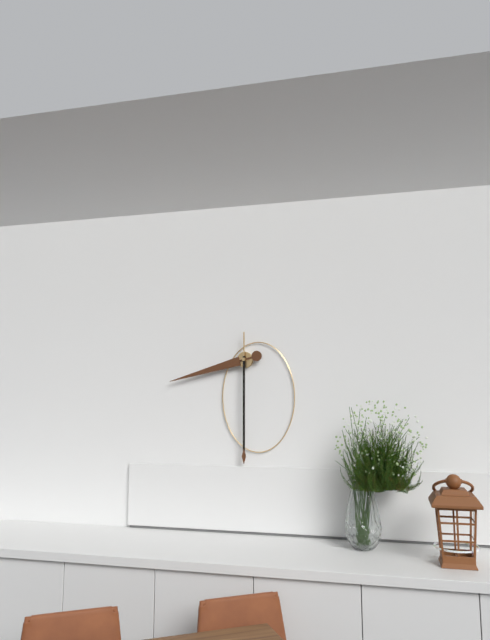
8:30
